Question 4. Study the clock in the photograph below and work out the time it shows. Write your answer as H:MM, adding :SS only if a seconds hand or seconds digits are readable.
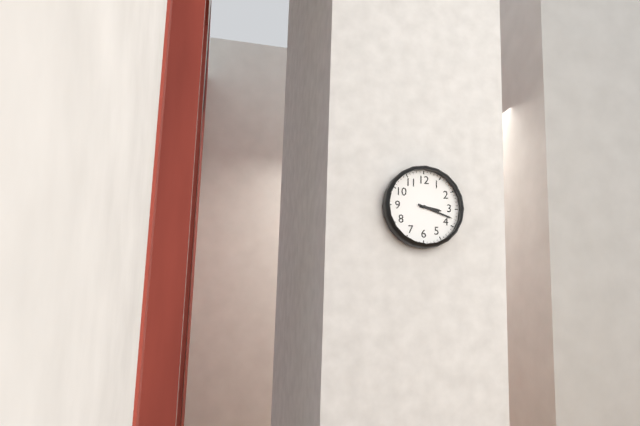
3:18
